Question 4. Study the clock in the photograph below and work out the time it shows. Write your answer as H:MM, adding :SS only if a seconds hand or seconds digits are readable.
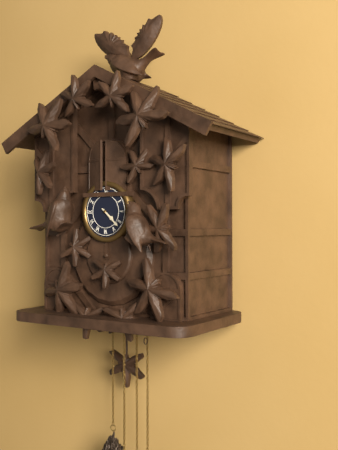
4:22
